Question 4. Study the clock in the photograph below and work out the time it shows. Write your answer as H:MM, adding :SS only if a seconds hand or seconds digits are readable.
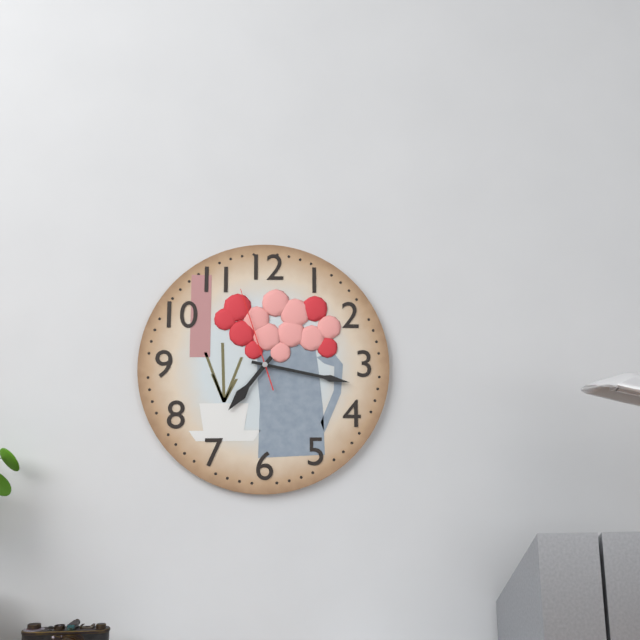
7:17:57
